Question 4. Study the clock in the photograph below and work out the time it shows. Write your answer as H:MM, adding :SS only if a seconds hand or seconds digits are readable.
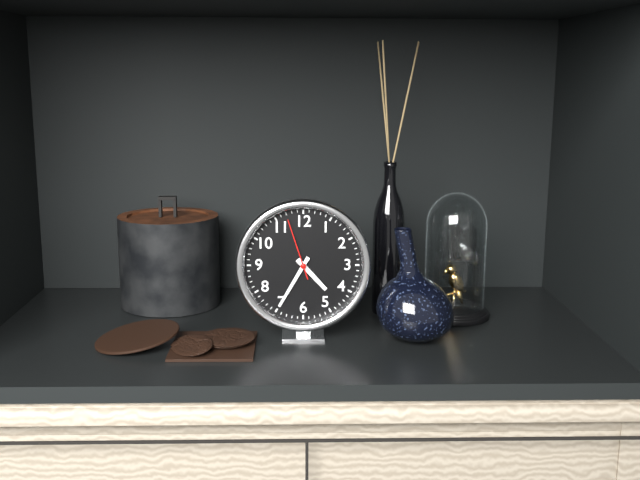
4:35:57
